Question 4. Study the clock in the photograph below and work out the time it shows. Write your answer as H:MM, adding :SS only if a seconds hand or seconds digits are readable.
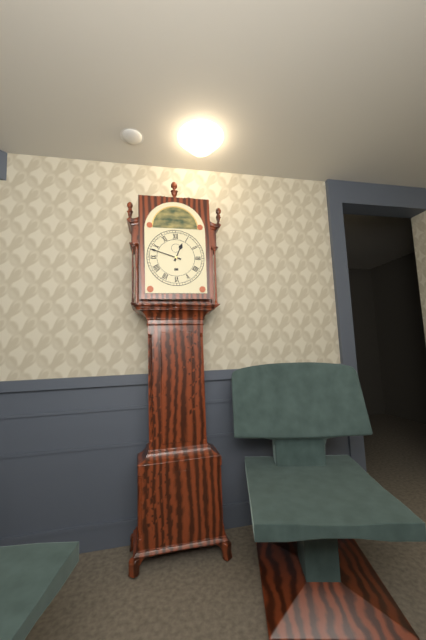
12:48
